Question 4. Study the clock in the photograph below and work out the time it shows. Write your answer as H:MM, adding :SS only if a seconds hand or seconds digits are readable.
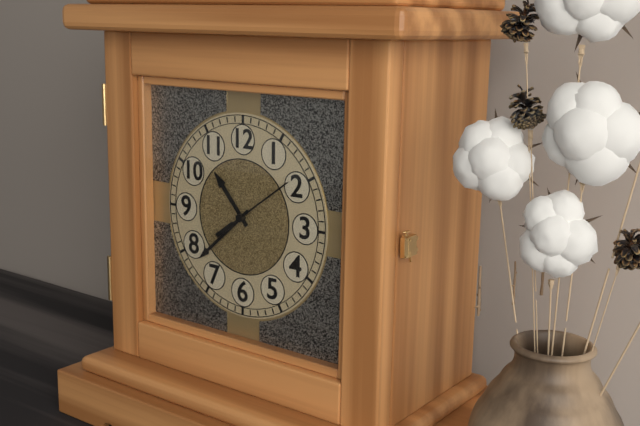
10:38:09
